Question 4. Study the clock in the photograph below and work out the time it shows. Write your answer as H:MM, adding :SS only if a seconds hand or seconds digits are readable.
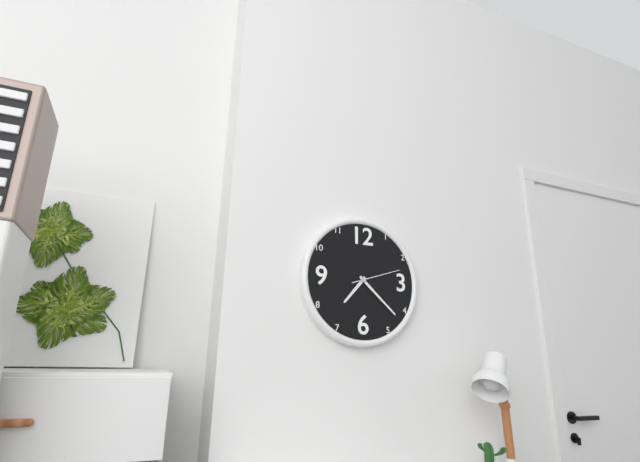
7:22
